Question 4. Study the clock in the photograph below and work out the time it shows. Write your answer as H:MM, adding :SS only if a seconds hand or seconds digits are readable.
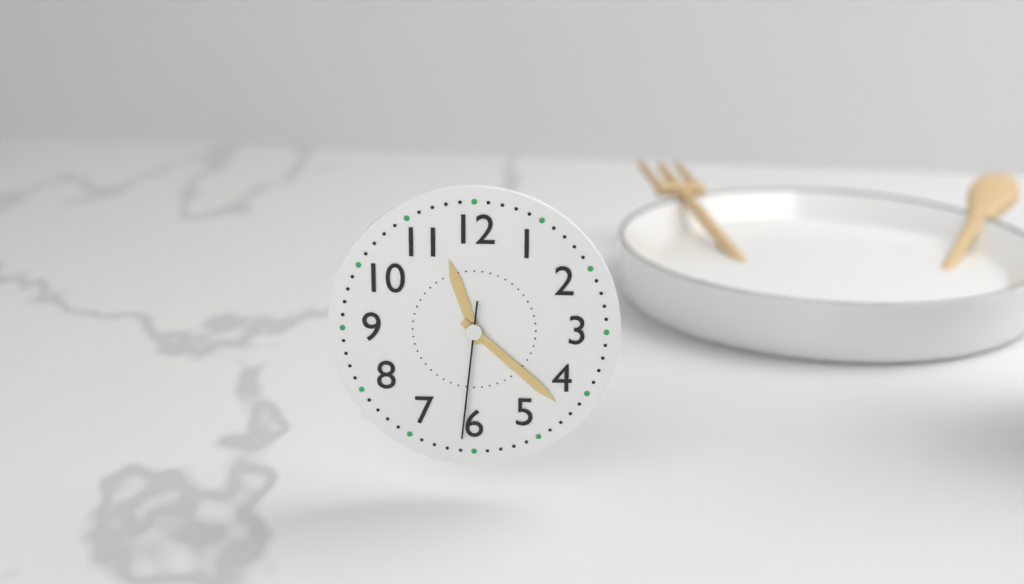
11:22:31
